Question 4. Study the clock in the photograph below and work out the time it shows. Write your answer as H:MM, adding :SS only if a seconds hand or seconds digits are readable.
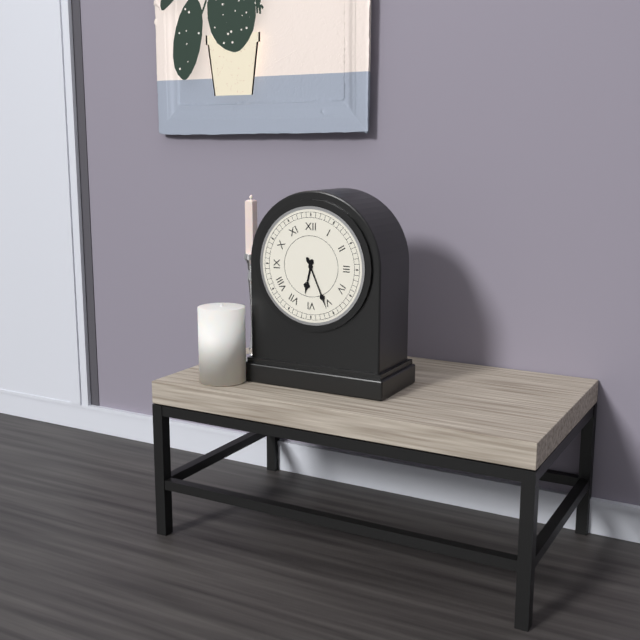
6:26
